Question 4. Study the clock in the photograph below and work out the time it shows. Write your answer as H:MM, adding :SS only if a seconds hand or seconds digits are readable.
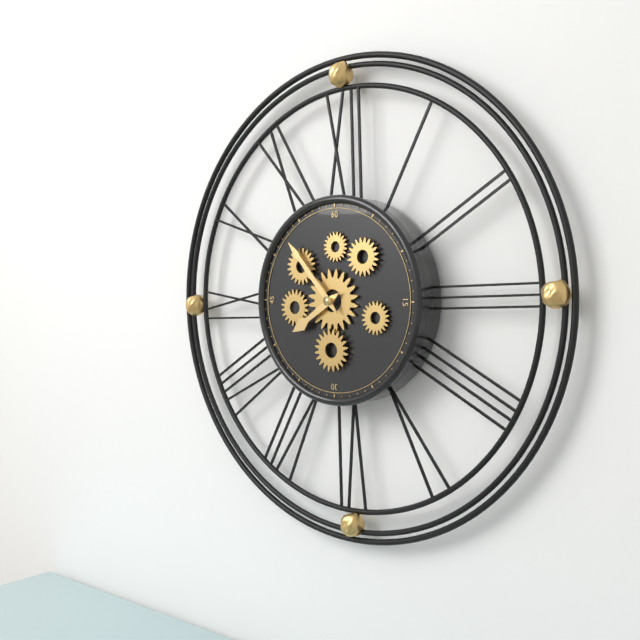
7:53
